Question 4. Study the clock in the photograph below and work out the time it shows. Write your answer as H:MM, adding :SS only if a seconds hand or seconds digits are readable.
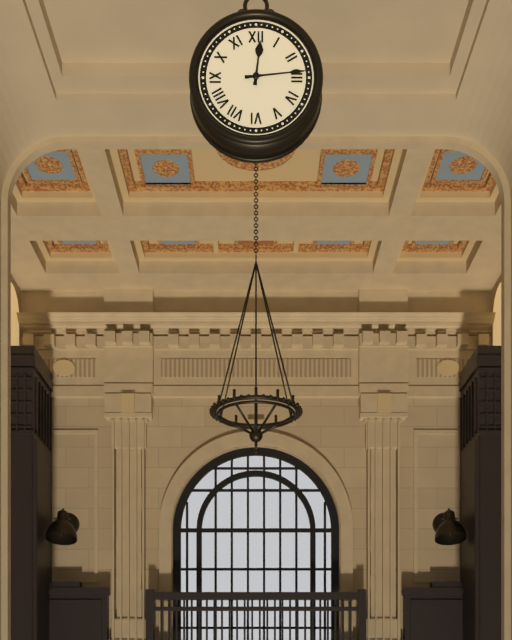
12:14
